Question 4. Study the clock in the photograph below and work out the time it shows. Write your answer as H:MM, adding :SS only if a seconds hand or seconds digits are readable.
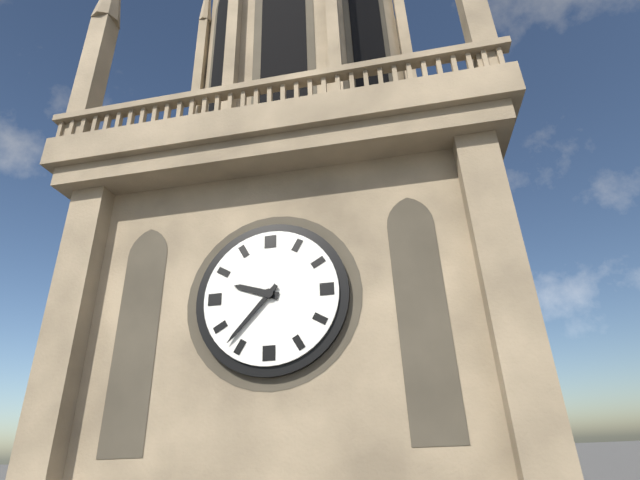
9:37
